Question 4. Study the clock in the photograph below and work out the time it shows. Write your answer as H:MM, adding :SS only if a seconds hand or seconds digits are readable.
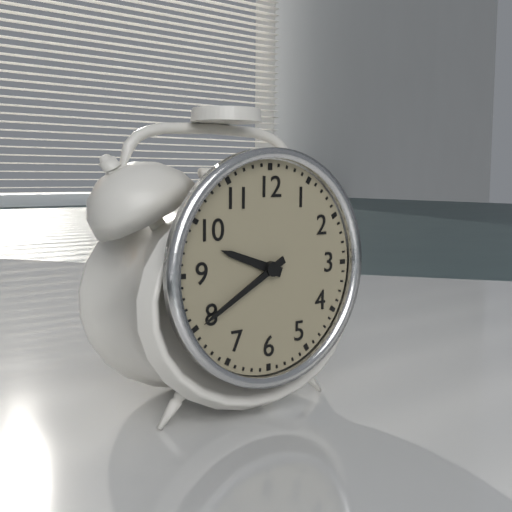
9:40
